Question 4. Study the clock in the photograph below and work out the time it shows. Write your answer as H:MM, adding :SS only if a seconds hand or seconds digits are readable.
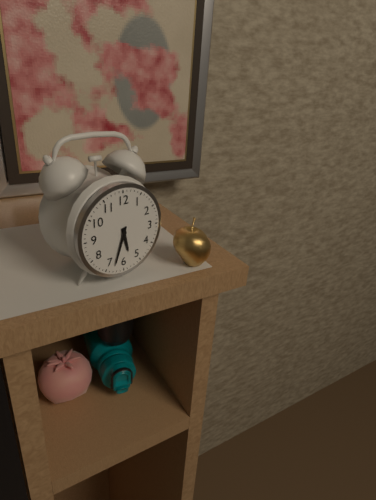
5:33
